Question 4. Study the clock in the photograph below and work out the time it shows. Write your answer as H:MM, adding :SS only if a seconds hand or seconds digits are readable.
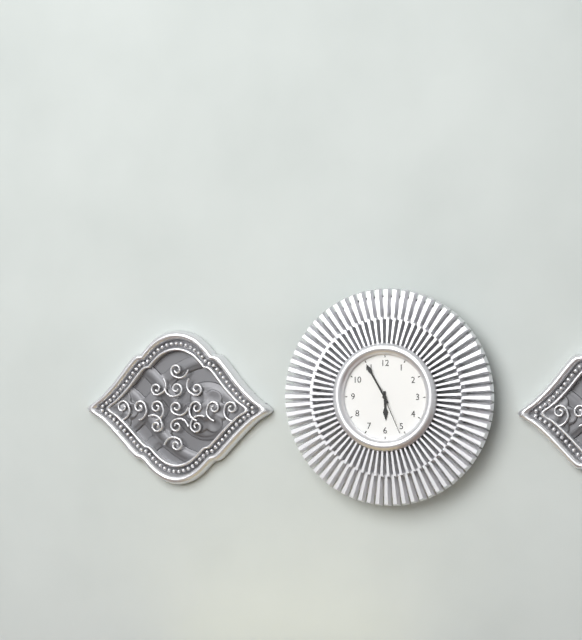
5:55
